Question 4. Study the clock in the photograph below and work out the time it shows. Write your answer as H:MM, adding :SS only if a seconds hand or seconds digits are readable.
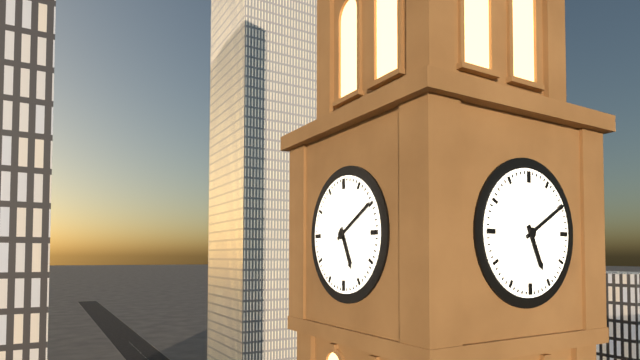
5:10
